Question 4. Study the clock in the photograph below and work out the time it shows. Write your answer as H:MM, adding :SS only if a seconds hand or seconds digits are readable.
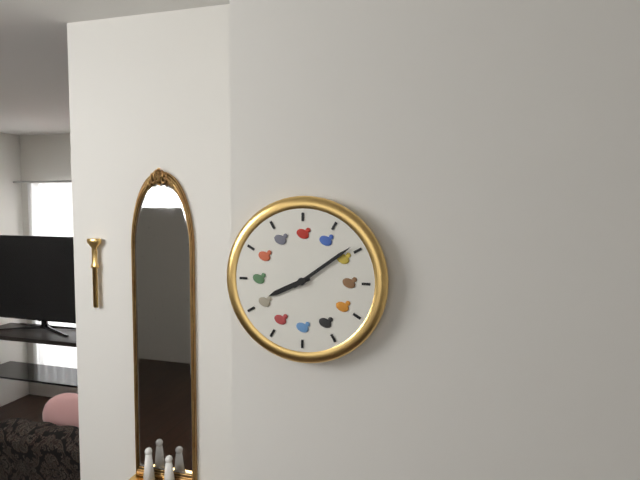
8:09
